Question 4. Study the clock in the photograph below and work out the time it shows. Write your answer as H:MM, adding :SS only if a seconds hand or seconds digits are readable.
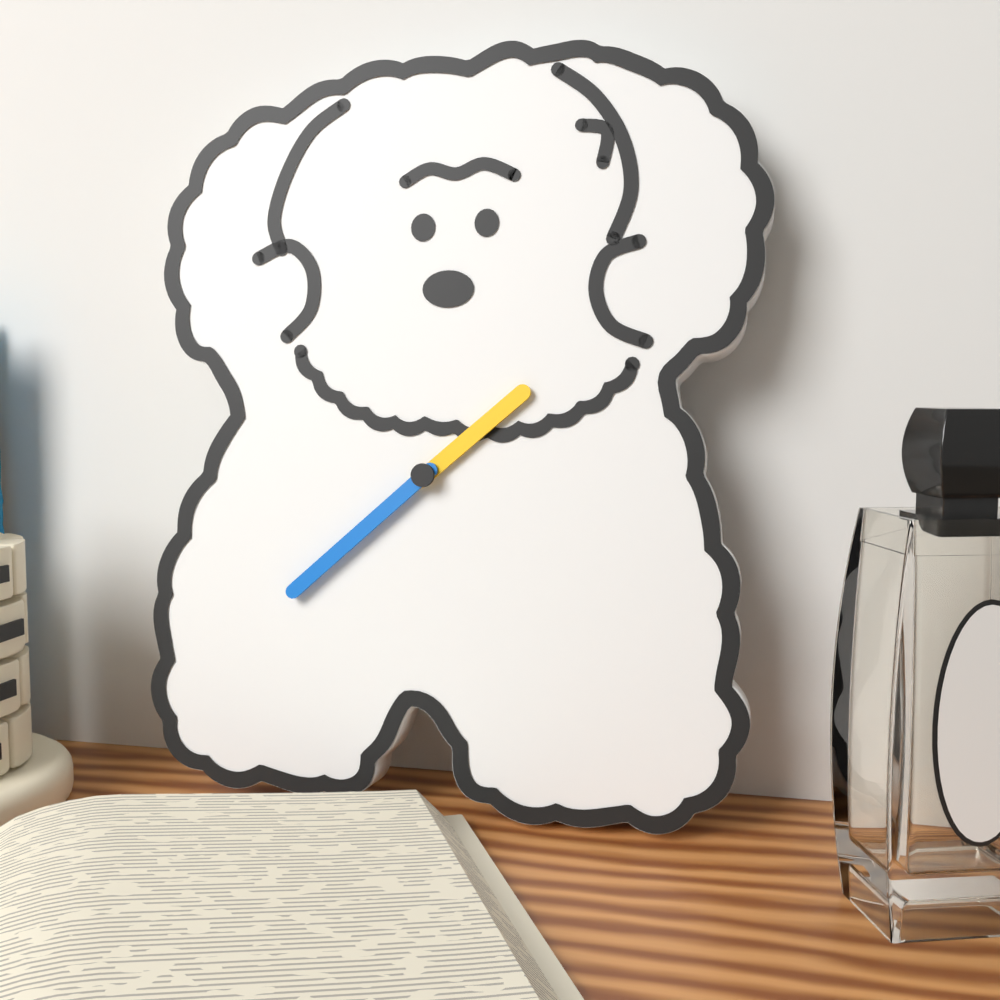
1:38
